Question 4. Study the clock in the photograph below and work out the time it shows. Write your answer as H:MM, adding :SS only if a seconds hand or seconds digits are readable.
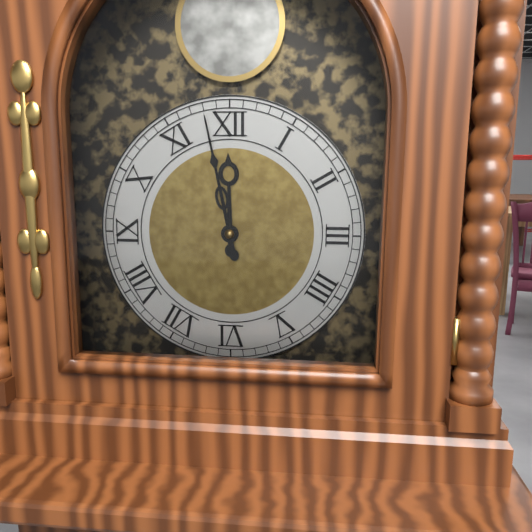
11:58
